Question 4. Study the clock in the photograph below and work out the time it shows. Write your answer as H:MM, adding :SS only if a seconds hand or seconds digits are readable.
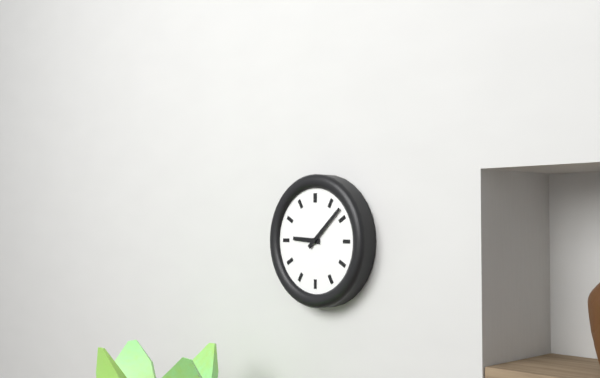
9:08
